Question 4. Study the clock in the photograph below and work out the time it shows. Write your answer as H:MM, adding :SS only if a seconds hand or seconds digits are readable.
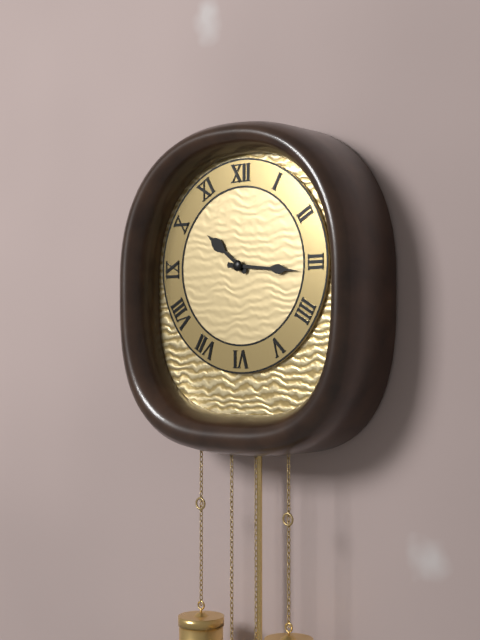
10:16
